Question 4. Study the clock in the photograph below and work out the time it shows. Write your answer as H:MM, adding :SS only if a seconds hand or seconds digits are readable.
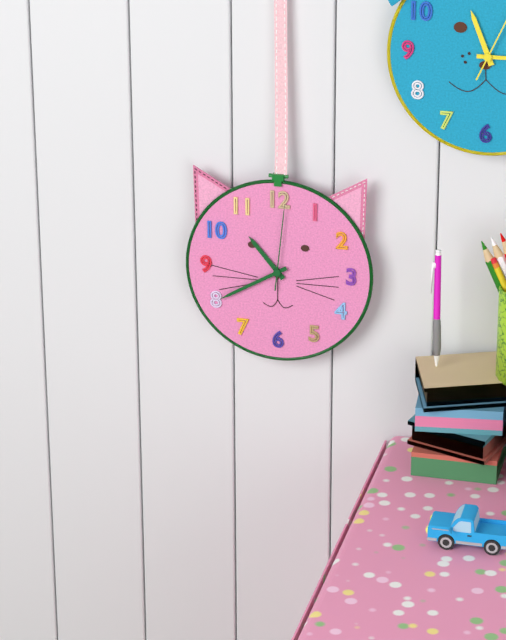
10:40:01
